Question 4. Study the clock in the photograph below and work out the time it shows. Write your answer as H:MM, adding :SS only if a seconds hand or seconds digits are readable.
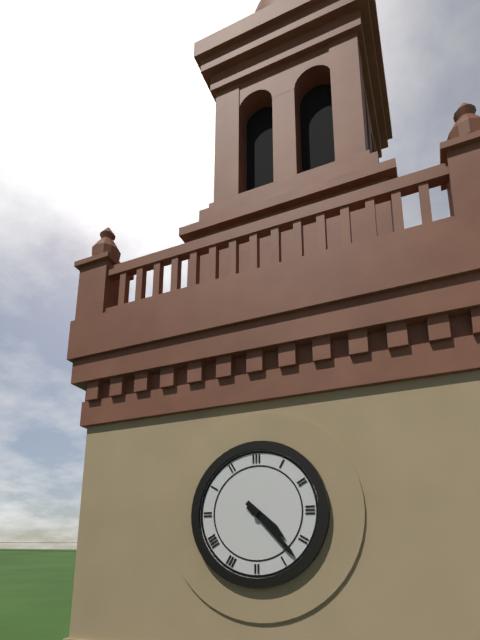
4:23
